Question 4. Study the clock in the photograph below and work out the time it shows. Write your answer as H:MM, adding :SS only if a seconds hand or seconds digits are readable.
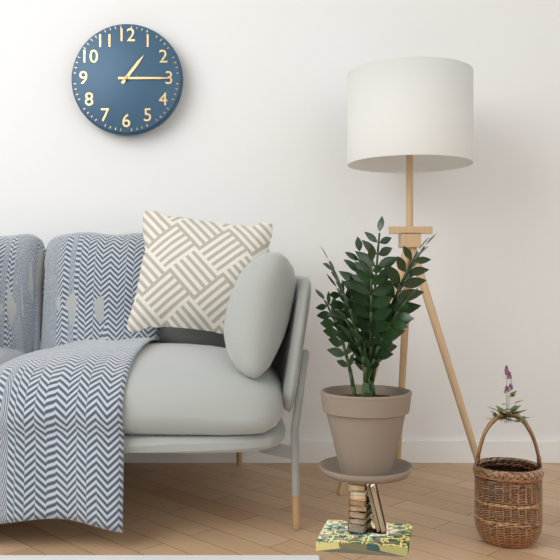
1:15
